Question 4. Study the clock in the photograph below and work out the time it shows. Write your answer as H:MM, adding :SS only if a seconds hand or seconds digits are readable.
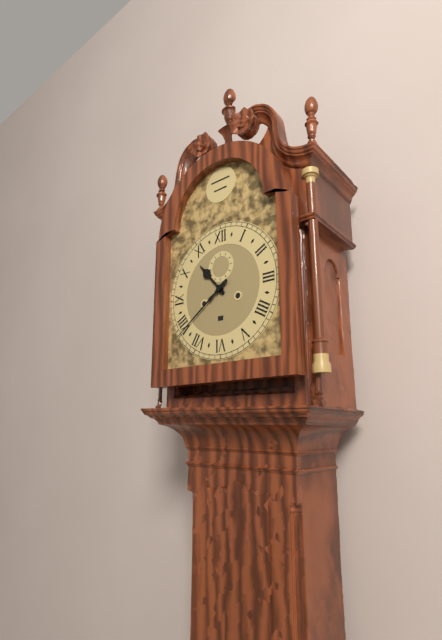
10:39
